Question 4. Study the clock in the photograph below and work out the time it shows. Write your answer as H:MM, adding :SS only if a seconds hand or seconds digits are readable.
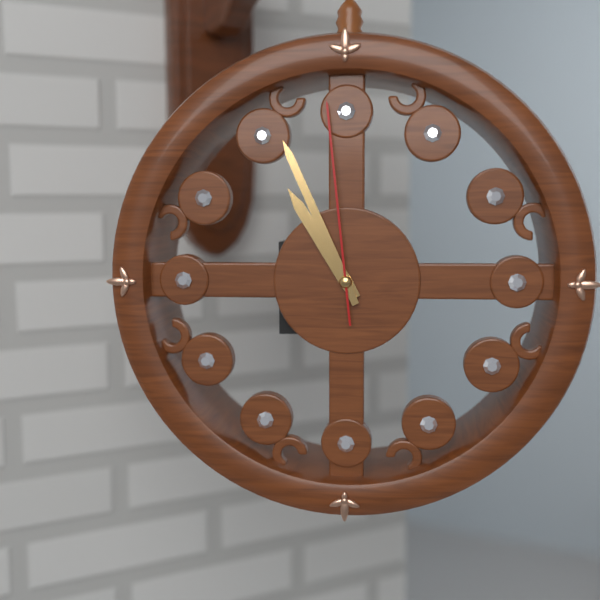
10:56:59
